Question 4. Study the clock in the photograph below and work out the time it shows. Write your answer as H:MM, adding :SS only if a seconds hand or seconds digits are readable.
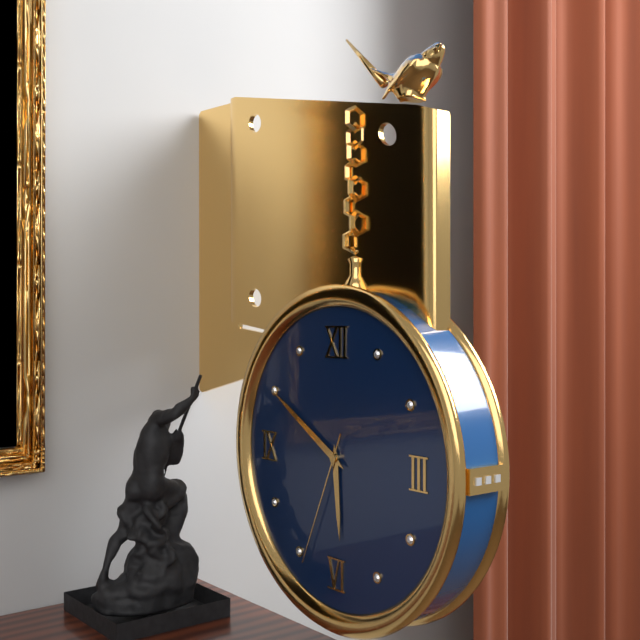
5:50:34
